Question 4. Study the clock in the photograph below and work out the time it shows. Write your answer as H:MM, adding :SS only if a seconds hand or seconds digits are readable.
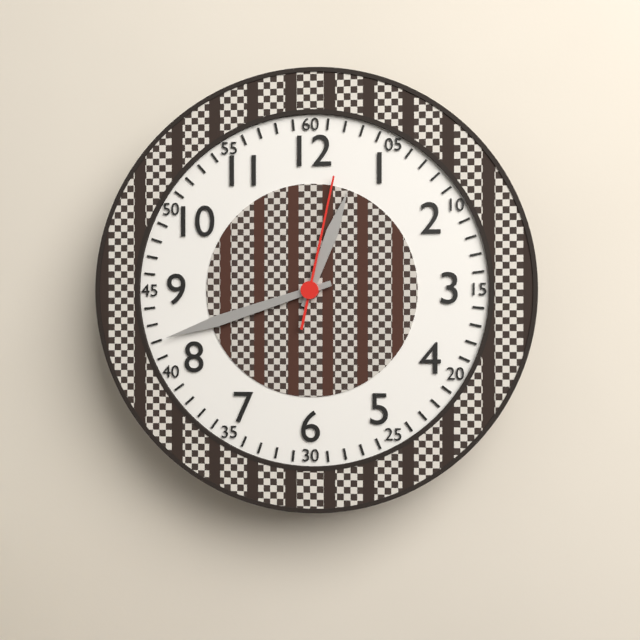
12:42:02
